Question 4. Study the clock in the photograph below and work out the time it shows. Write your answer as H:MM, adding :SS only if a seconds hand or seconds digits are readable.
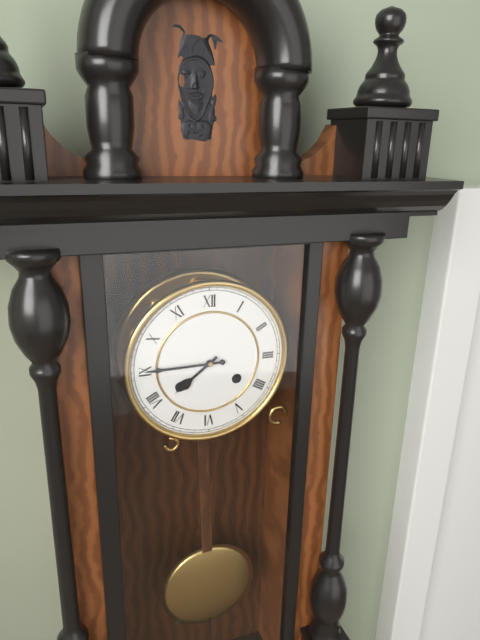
7:45
